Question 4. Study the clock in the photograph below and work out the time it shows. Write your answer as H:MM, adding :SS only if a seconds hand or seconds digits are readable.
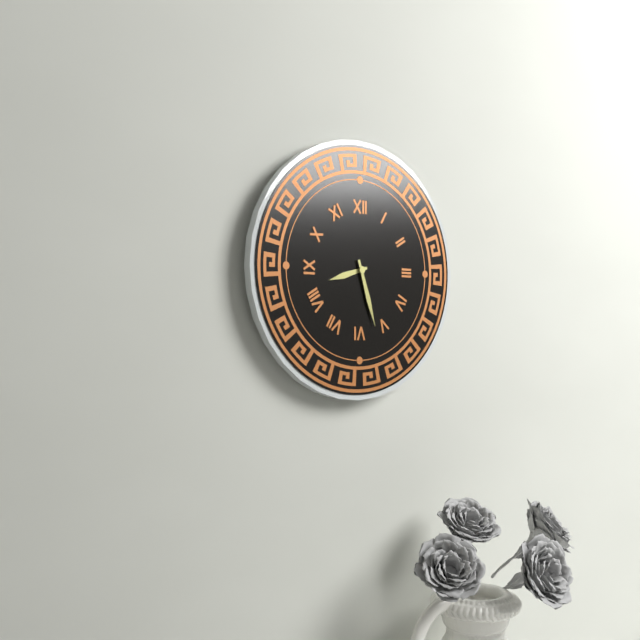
8:27
